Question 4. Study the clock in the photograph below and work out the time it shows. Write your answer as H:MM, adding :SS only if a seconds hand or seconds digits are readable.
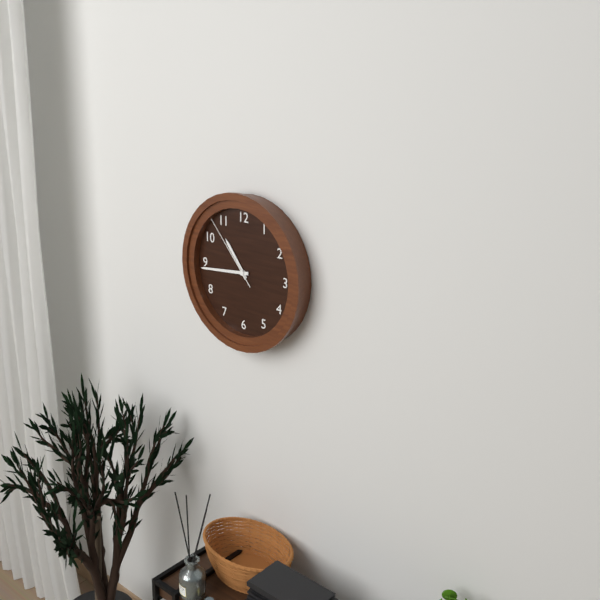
10:44:53
